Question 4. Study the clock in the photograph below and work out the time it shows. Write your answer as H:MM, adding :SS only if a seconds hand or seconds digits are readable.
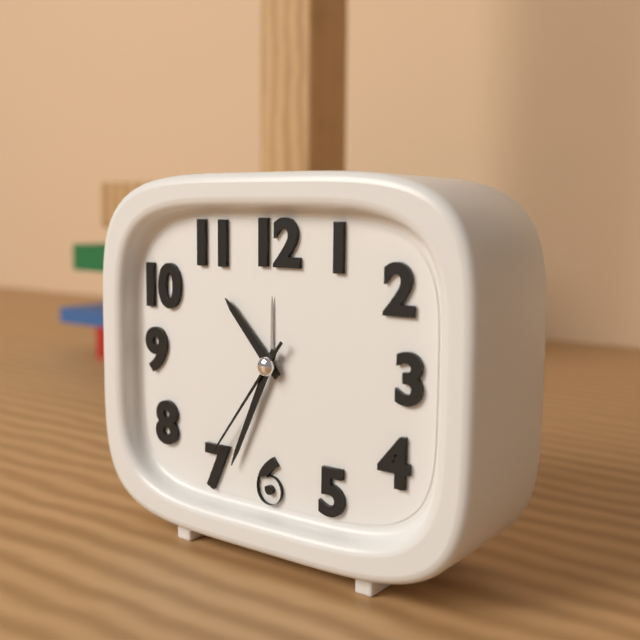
10:34:36
